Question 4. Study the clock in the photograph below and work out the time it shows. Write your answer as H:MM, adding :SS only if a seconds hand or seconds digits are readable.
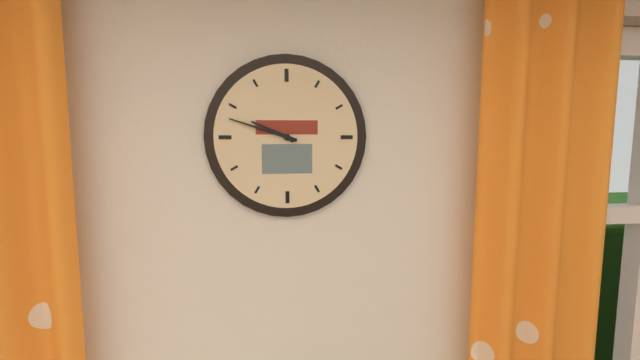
9:48
